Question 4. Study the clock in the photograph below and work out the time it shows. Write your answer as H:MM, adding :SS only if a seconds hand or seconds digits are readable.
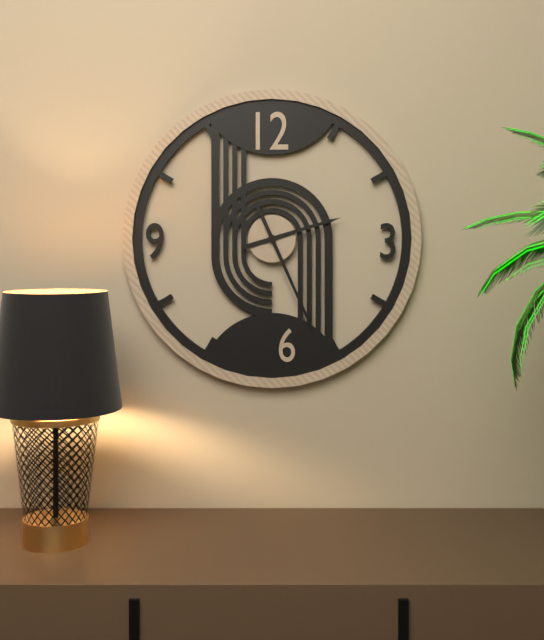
2:26
